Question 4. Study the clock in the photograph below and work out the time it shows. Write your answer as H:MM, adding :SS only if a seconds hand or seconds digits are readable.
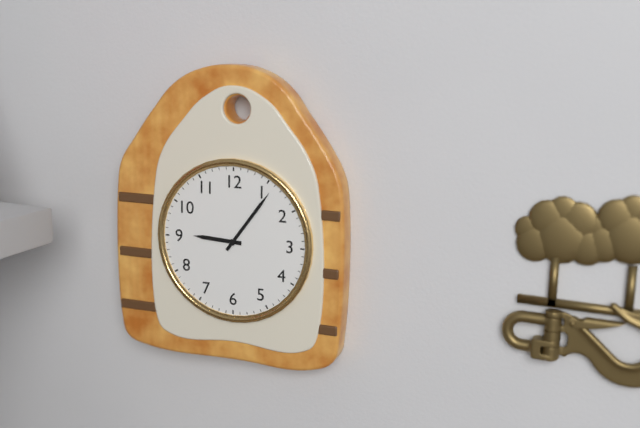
9:06
